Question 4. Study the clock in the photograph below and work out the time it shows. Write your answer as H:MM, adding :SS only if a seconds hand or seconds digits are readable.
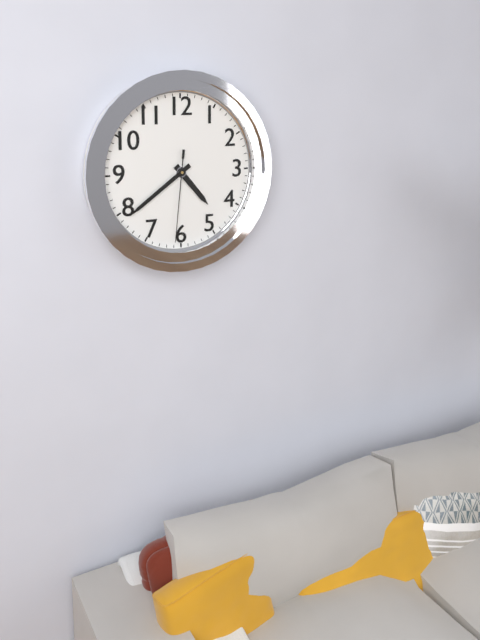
4:39:31
